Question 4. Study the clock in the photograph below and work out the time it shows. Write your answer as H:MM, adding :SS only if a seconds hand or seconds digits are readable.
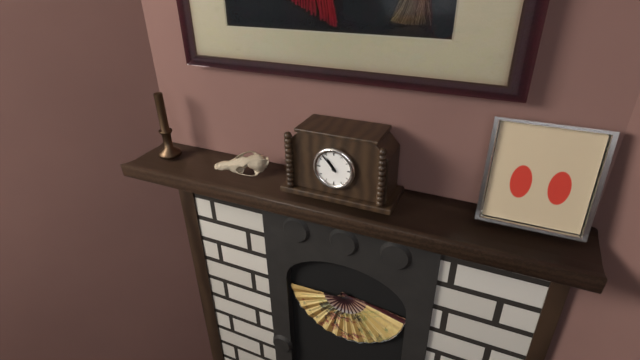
10:53
